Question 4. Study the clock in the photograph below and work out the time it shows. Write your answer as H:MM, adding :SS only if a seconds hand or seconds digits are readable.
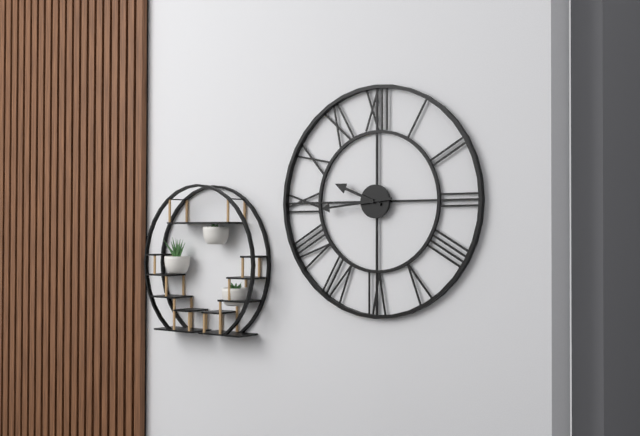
9:44
